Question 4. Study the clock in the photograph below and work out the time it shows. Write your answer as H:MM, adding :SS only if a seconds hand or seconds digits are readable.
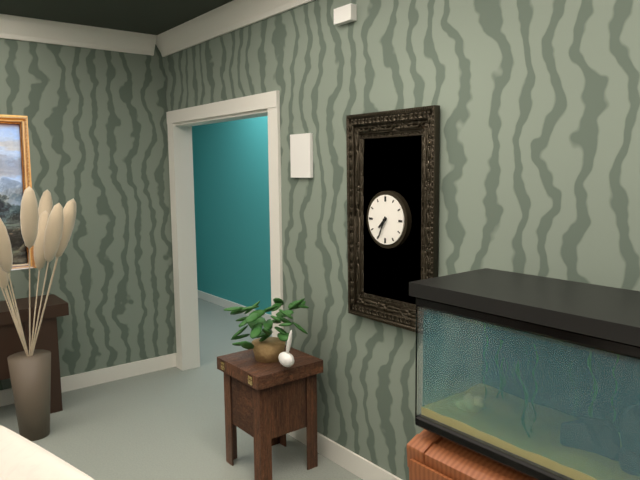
7:34
